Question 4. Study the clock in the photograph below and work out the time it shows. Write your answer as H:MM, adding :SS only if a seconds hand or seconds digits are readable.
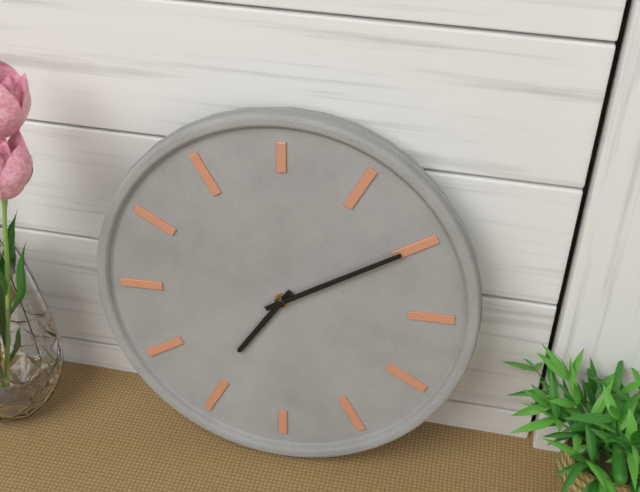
7:10
